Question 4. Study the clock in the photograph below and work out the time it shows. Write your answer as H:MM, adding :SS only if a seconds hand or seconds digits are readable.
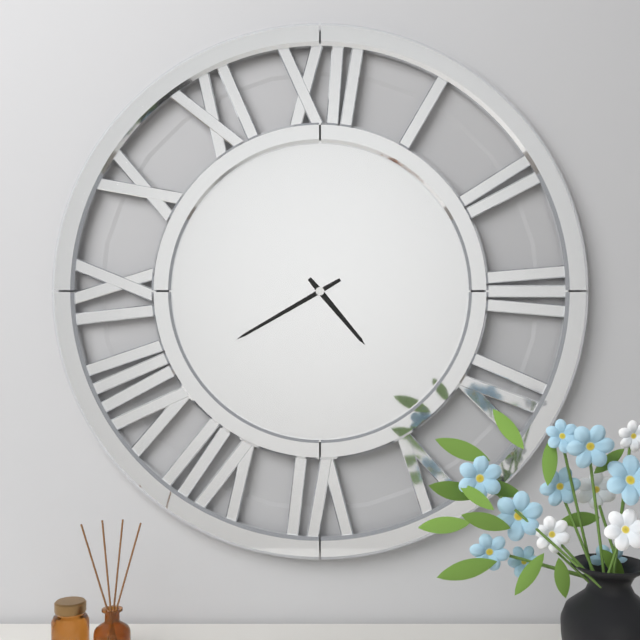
4:40
